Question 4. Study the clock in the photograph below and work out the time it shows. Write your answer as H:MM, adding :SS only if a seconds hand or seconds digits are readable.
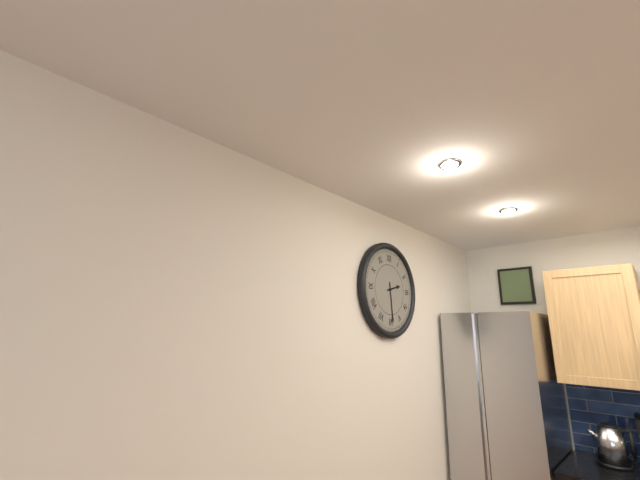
2:29
